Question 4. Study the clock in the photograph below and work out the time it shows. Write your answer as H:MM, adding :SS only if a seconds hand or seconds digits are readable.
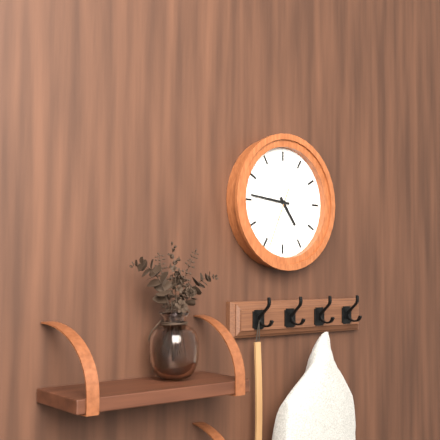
4:46:34
